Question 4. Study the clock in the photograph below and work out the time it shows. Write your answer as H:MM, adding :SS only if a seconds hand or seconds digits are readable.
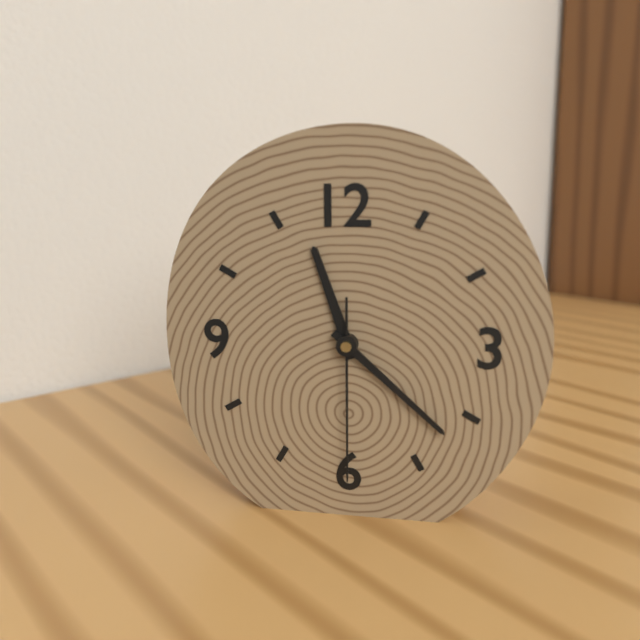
11:22:30
